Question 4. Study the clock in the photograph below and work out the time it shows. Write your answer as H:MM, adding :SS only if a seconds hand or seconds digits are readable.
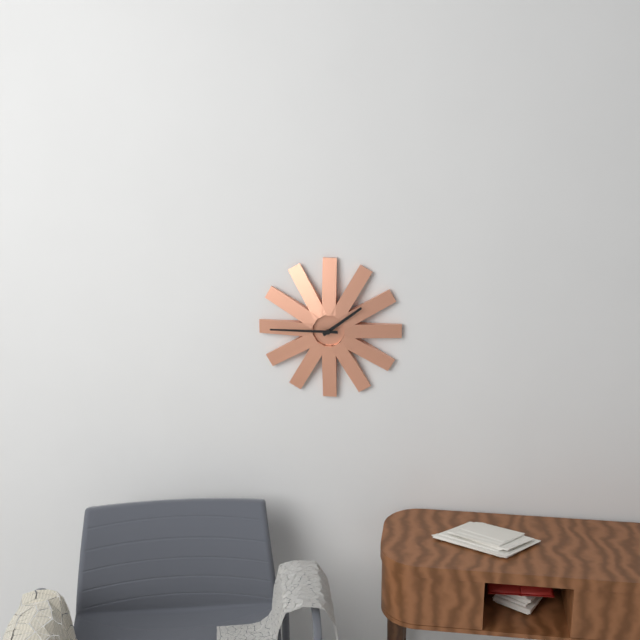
1:45
